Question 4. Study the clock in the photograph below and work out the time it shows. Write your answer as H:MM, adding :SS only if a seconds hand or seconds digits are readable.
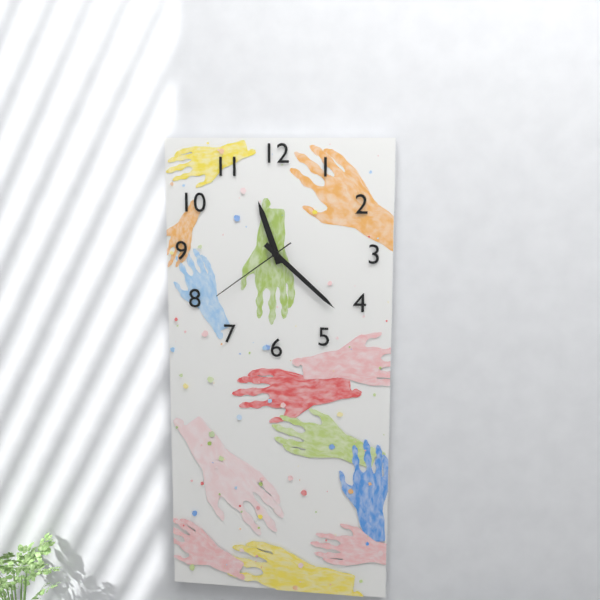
11:22:39
